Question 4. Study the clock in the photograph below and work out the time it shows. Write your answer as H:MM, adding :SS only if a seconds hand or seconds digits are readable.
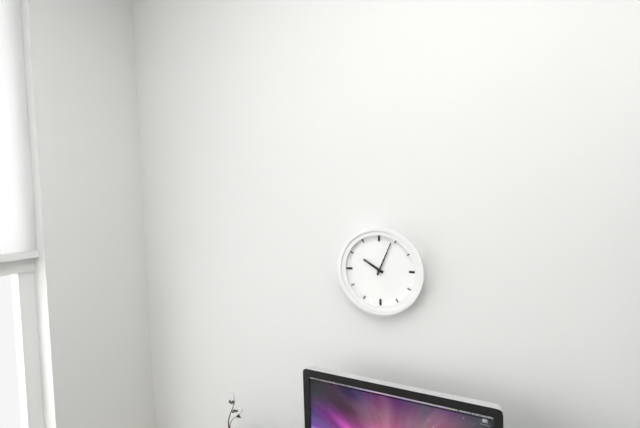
10:04
